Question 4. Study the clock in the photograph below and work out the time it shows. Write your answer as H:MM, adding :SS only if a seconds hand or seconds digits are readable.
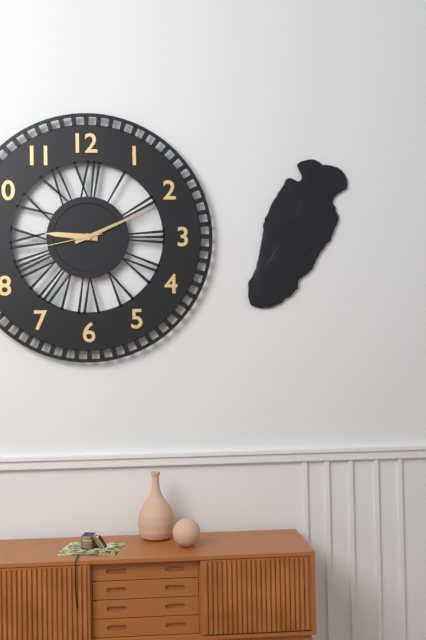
9:11:43
